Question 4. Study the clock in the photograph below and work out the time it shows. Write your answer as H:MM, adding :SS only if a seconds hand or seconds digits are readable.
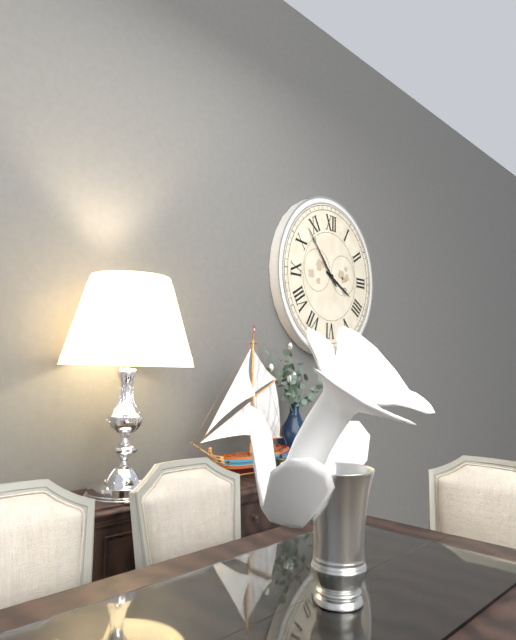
3:53
